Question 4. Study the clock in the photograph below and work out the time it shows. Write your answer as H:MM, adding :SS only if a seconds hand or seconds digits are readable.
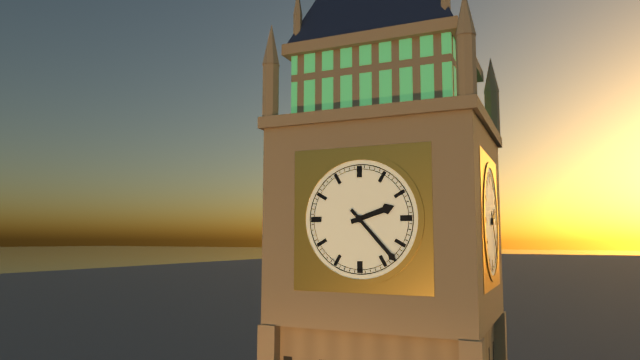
2:23
